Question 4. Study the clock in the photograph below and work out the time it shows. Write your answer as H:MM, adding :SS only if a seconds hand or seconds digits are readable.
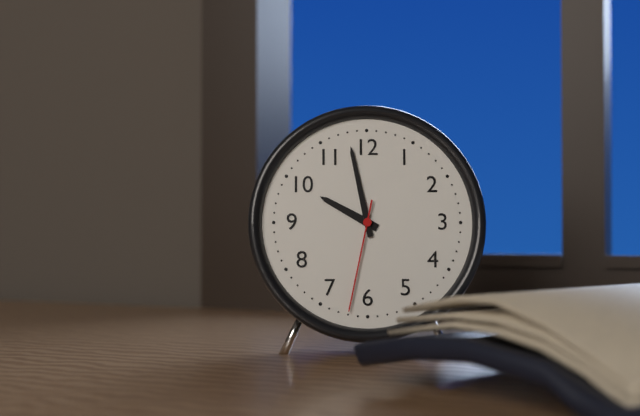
9:58:32
